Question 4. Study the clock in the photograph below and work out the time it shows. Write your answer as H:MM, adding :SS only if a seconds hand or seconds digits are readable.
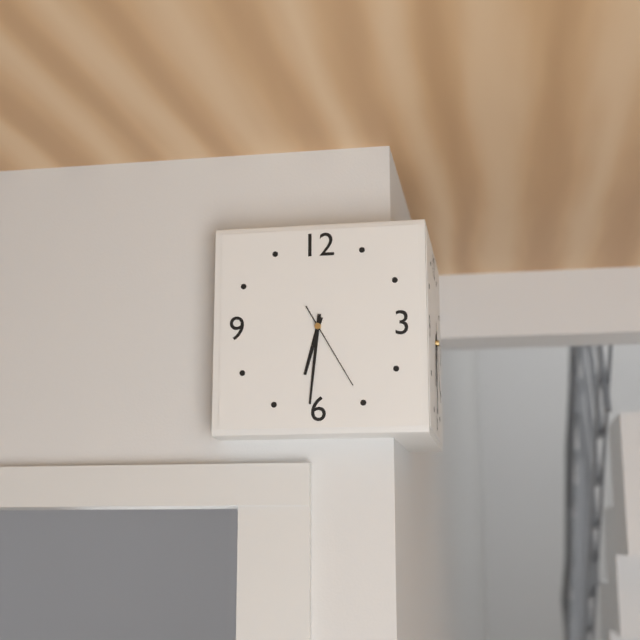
6:31:25
